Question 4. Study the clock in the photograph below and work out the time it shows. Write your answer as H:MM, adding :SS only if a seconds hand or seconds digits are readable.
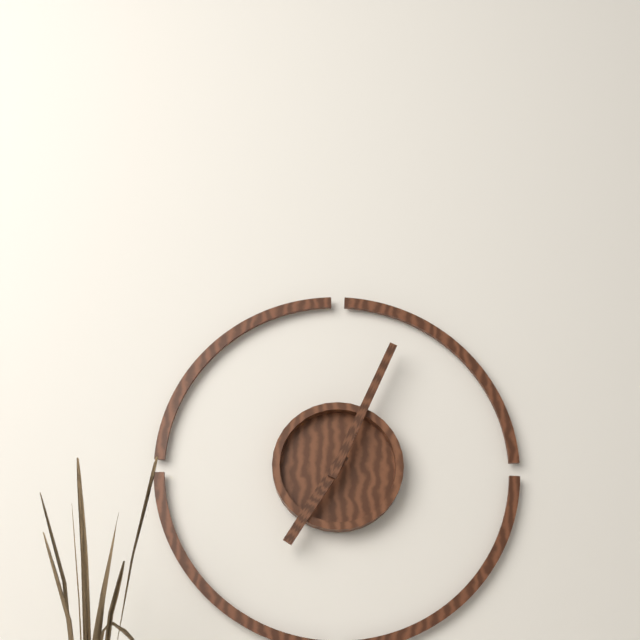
7:04
